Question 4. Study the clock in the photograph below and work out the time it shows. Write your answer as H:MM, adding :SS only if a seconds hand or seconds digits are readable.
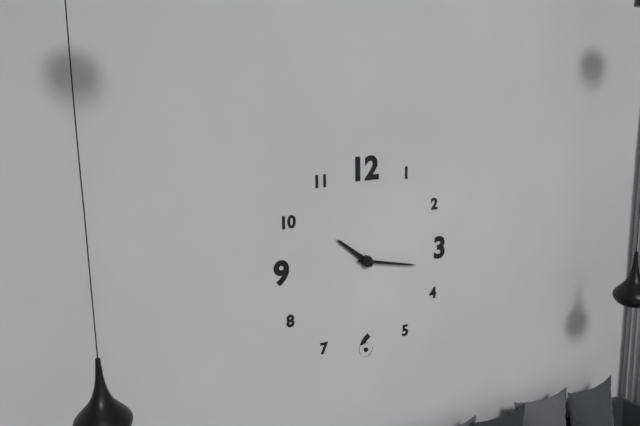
10:17
